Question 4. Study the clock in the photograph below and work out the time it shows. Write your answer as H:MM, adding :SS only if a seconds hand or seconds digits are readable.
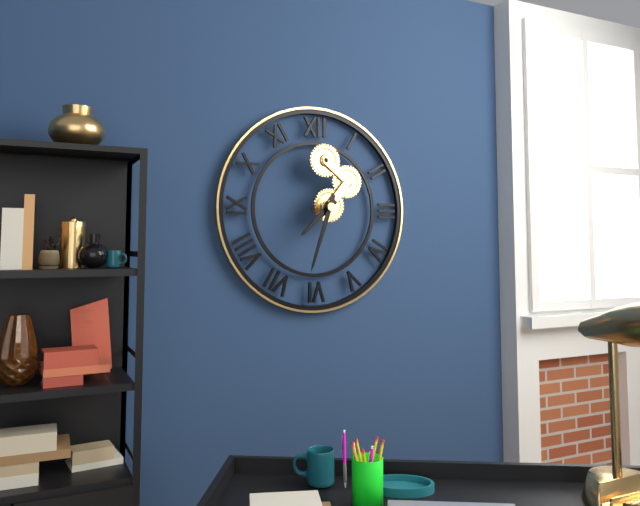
7:33
